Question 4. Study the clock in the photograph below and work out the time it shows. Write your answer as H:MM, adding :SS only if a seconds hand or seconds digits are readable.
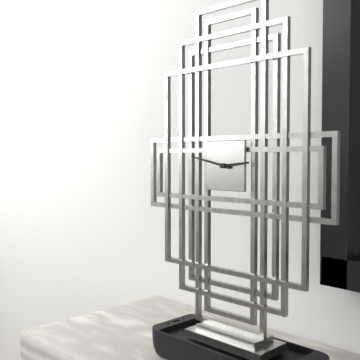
2:47
